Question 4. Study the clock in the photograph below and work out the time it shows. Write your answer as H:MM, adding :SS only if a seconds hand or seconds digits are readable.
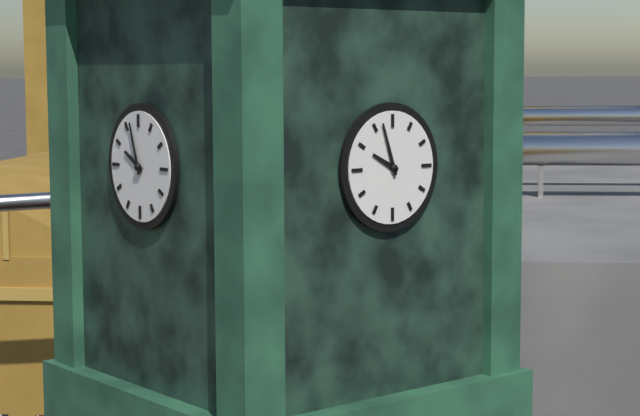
9:57
